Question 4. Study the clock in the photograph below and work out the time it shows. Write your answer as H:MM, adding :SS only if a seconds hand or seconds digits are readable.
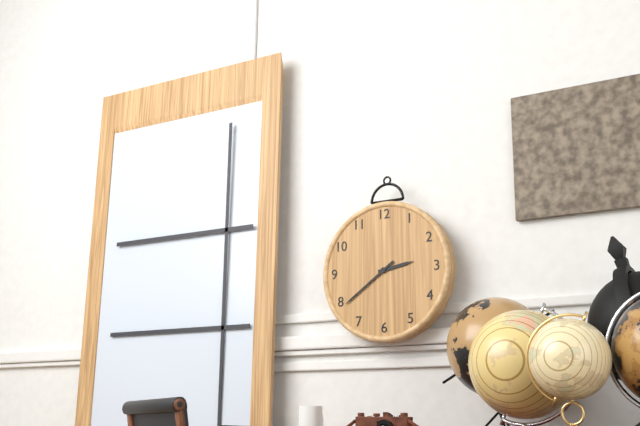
2:39
